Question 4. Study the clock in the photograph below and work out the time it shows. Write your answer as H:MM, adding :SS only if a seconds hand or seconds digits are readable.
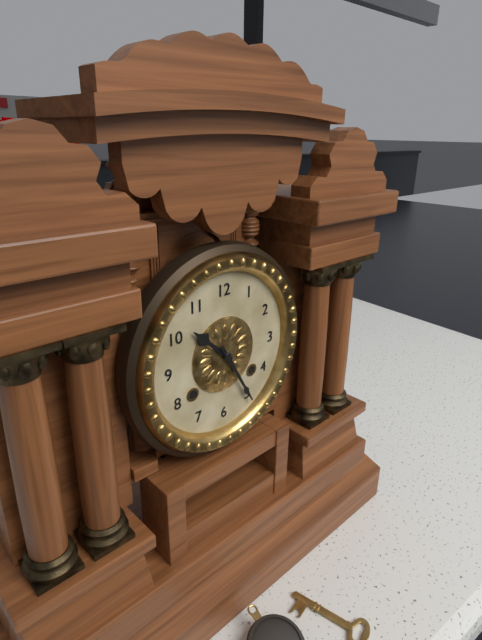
10:25
